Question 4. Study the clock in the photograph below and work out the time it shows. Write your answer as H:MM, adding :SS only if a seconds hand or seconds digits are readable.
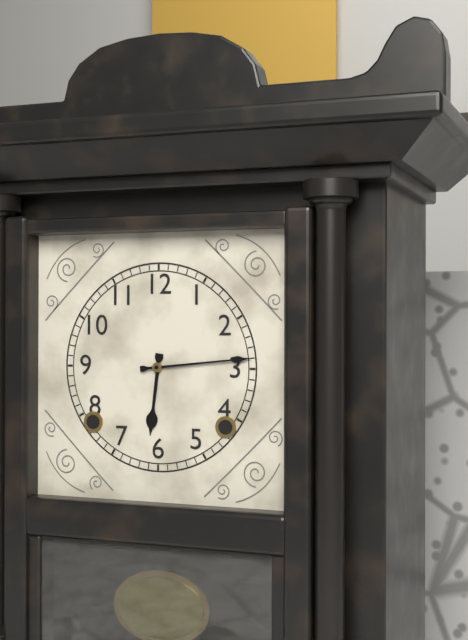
6:14
